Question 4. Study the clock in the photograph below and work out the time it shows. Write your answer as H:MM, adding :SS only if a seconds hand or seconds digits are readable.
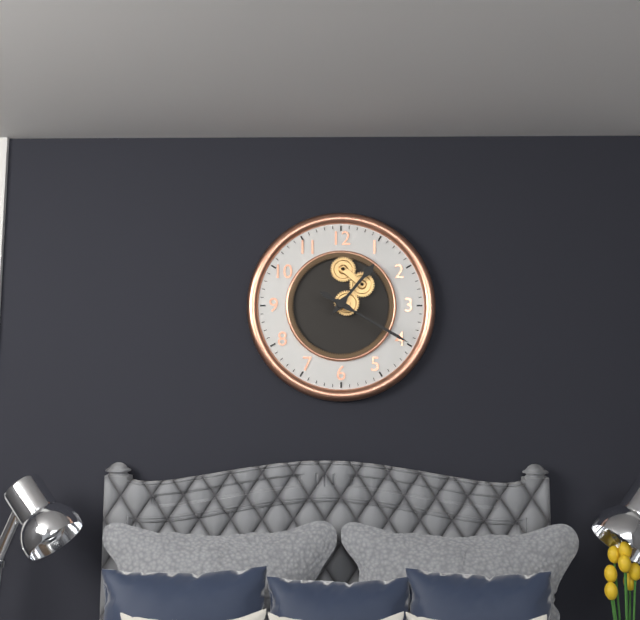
1:20
